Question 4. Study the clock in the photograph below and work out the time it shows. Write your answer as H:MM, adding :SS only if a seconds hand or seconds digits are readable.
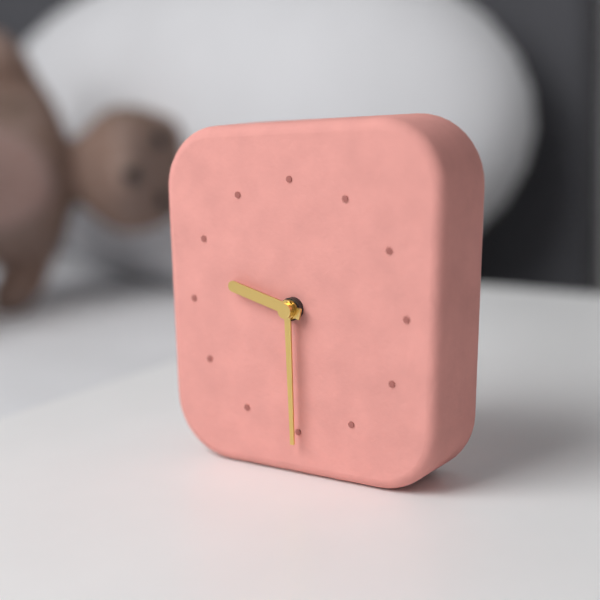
9:30
